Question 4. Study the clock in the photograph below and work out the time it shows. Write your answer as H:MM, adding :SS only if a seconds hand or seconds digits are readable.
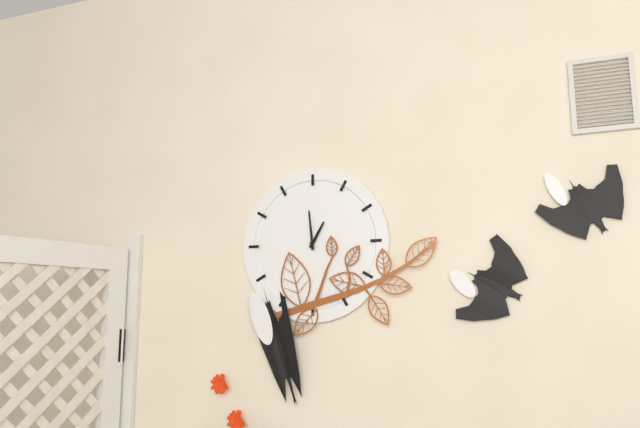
12:59
